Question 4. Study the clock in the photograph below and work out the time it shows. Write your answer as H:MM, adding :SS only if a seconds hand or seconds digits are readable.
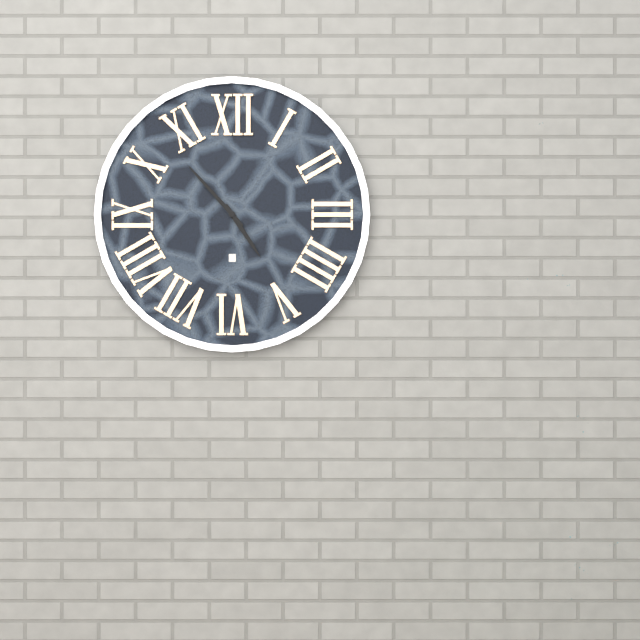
4:53
